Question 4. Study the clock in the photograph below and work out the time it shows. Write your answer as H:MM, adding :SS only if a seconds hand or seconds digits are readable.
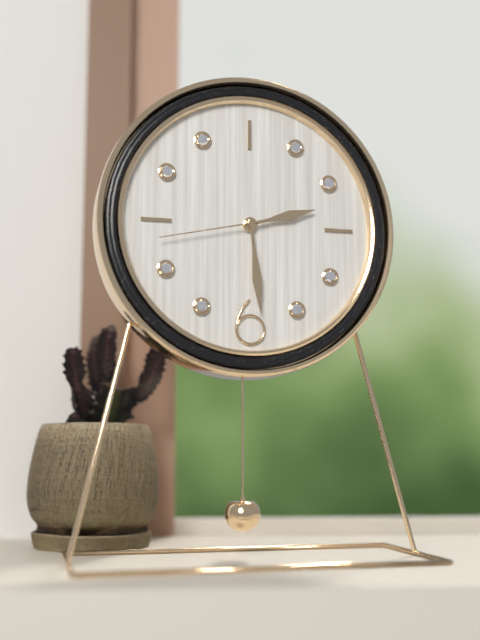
2:29:43
